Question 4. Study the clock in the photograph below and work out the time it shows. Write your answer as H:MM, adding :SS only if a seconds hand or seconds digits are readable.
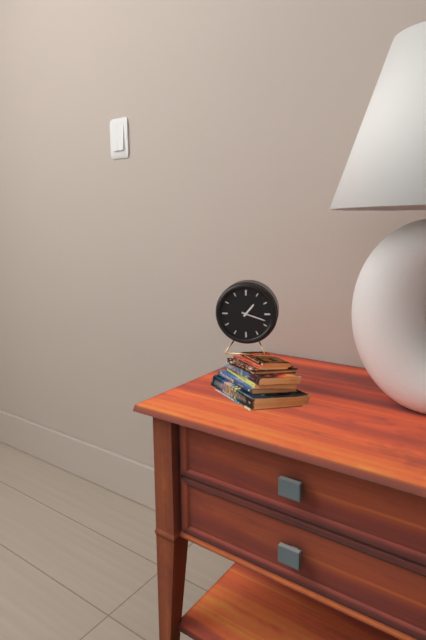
1:18
